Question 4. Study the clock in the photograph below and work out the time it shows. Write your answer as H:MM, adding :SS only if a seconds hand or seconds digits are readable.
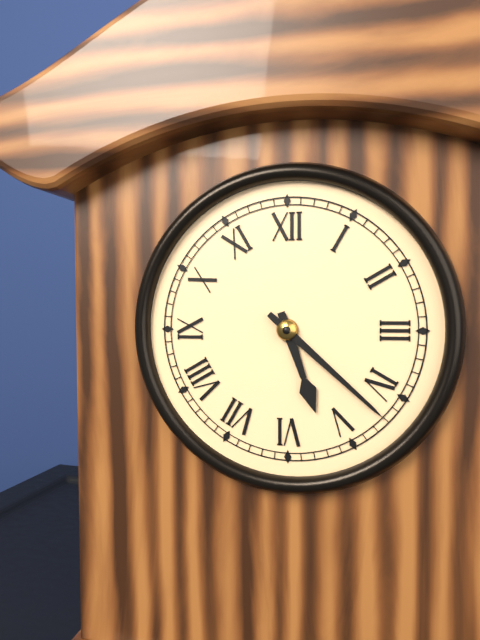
5:22
